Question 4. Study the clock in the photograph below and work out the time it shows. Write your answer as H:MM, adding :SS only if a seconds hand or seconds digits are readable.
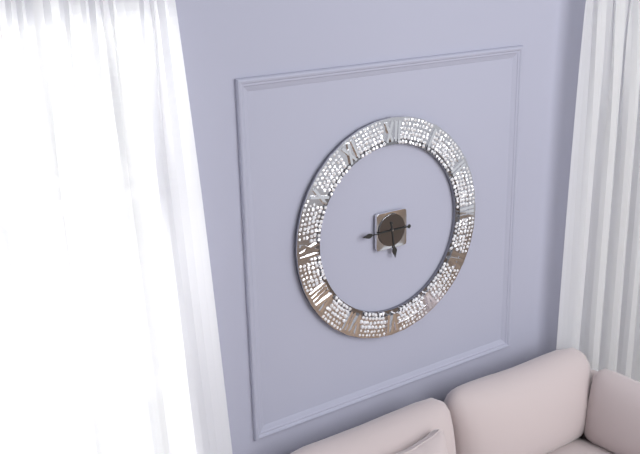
5:45
